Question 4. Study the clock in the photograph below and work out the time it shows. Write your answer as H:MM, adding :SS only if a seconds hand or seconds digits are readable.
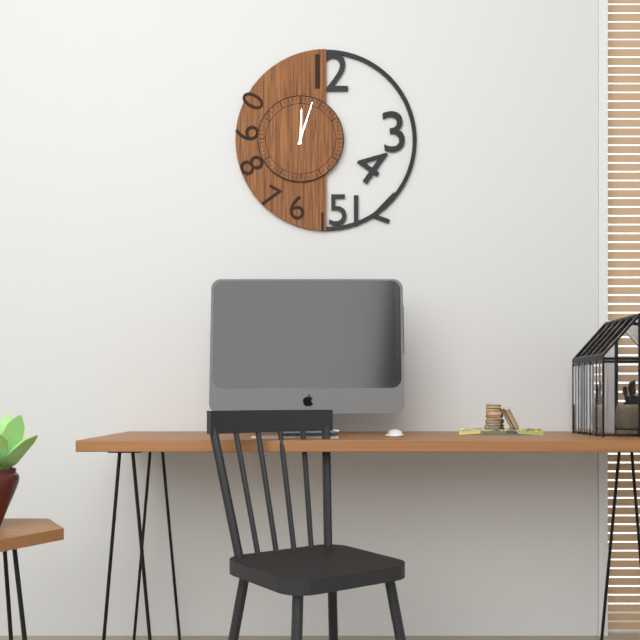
12:03
